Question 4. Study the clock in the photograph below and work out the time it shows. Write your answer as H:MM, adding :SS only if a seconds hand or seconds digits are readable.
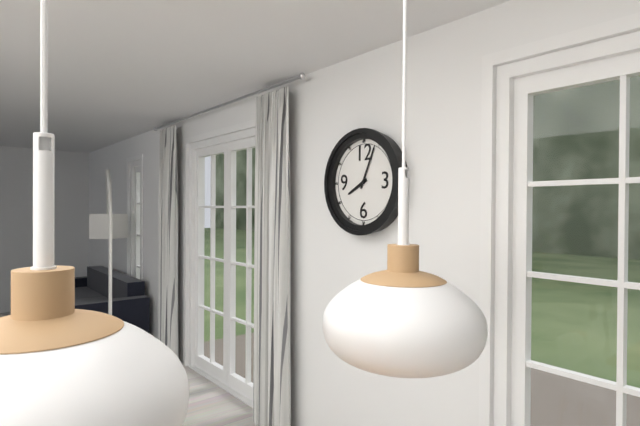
8:04
